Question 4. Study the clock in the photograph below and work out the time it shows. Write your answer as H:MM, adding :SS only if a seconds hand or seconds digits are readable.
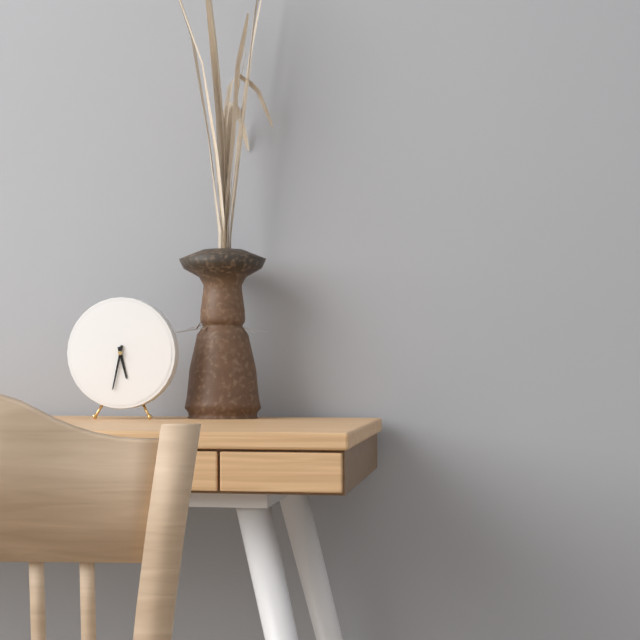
5:32
